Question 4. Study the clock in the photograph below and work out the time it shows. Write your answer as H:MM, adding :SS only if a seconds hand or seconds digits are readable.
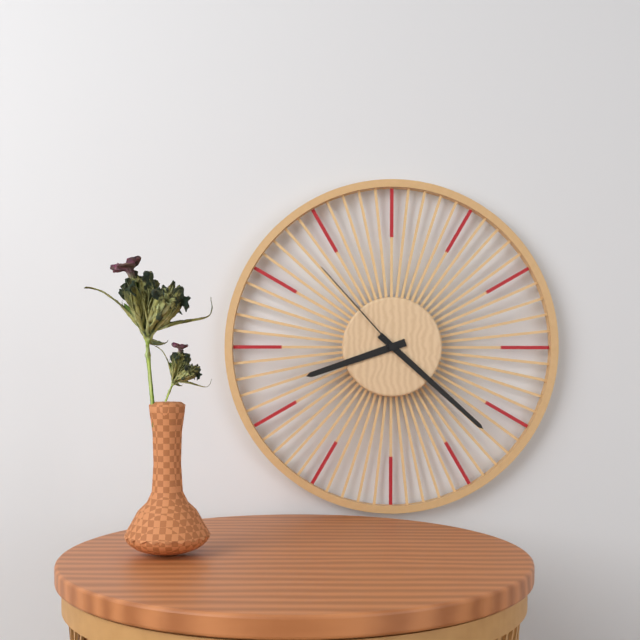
8:22:53
